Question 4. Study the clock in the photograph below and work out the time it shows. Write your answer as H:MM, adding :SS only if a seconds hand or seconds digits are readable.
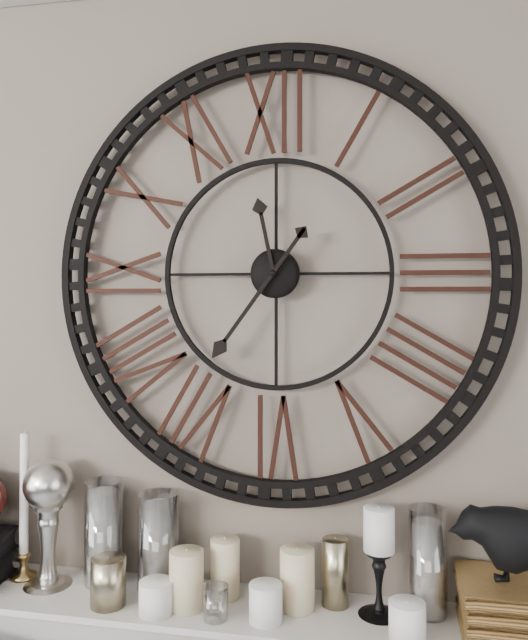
11:36
